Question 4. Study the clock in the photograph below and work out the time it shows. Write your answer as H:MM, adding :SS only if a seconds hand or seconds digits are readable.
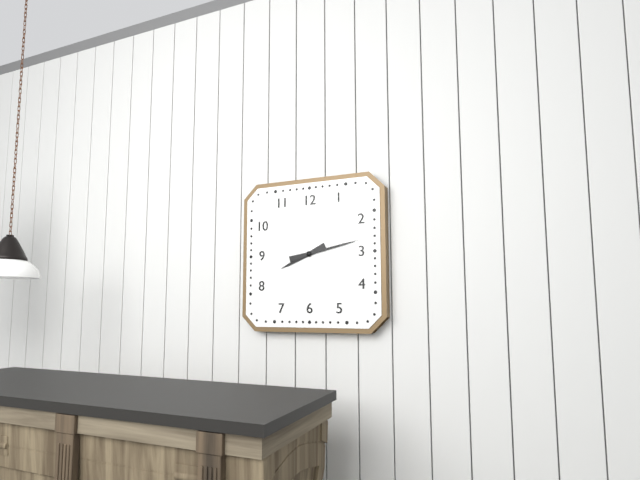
8:13
